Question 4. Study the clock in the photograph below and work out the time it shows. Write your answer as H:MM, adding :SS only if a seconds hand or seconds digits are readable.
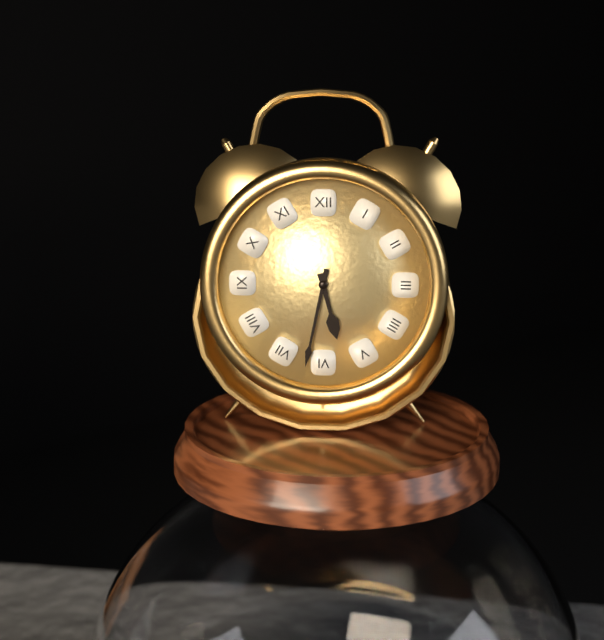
5:32
